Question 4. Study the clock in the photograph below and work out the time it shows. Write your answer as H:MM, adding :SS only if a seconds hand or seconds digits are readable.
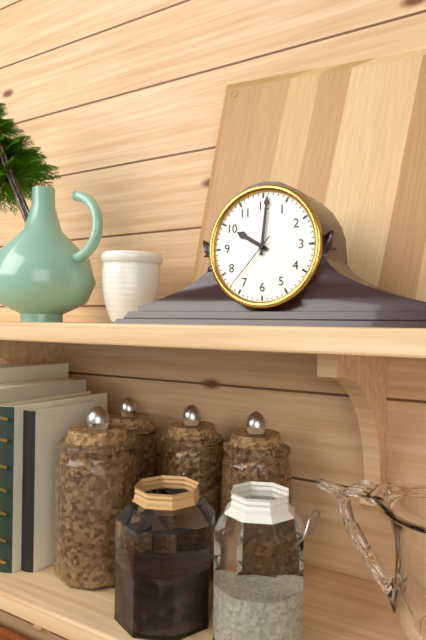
10:01:37
